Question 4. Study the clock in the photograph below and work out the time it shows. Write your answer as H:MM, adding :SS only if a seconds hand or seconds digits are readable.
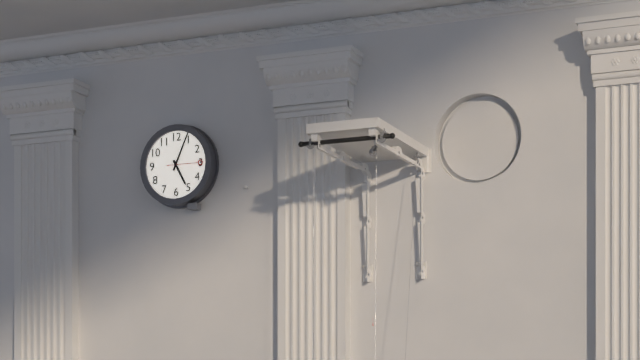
5:04
